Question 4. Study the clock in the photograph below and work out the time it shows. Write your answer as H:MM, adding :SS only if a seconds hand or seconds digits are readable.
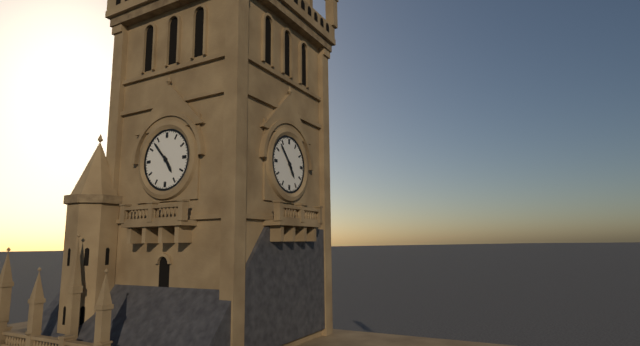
4:53
